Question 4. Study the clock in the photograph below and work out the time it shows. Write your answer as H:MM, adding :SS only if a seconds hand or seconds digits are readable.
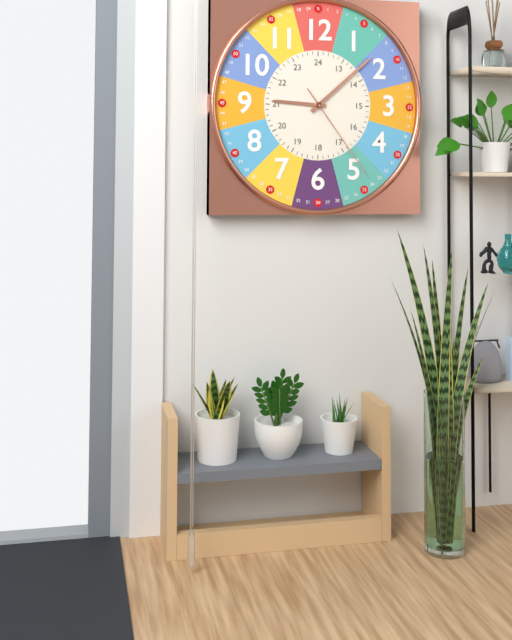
9:08:24
